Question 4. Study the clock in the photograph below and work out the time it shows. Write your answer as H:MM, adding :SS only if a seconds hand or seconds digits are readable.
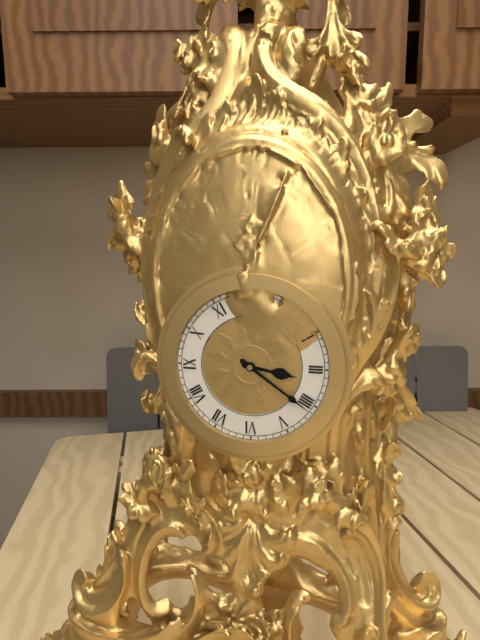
3:21
